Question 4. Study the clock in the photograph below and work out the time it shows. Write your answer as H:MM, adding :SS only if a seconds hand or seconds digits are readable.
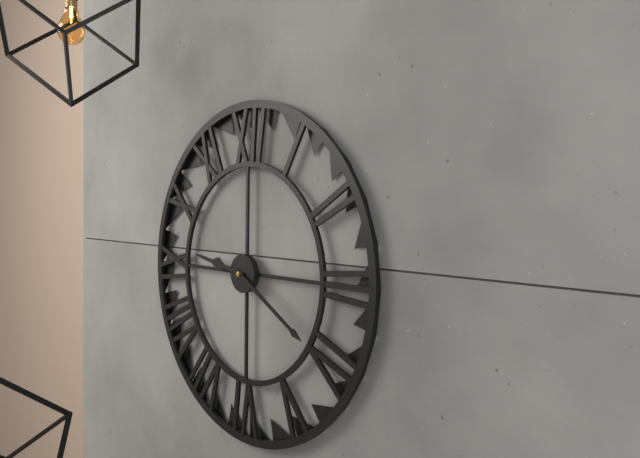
9:20
